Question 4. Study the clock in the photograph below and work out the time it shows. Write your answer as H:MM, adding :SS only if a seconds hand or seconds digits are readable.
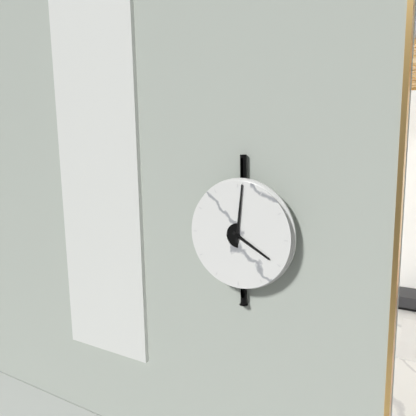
4:01
